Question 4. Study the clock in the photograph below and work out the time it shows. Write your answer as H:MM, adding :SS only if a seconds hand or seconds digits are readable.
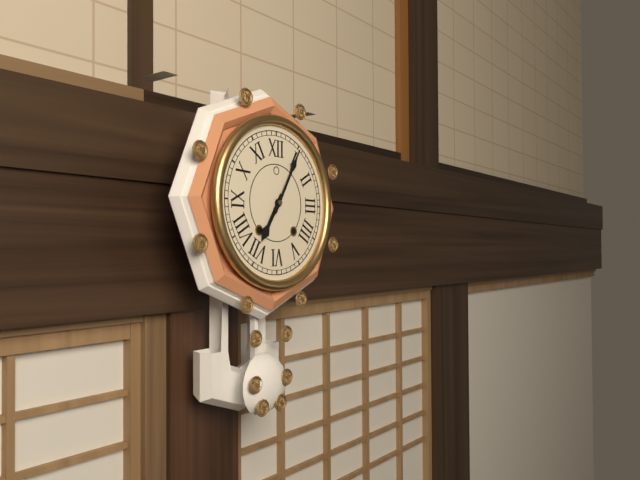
7:05
